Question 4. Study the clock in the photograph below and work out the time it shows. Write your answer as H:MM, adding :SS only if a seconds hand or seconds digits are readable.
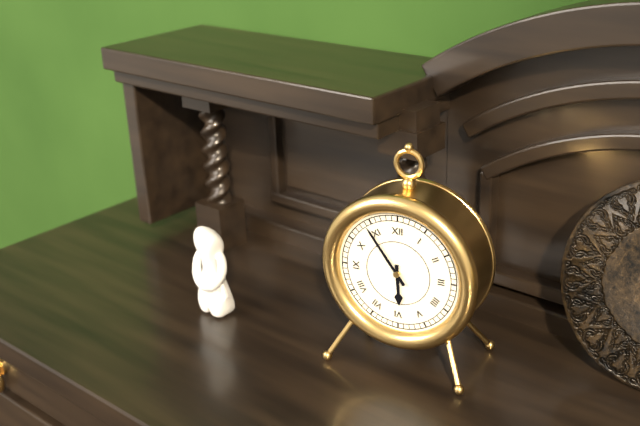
5:54
